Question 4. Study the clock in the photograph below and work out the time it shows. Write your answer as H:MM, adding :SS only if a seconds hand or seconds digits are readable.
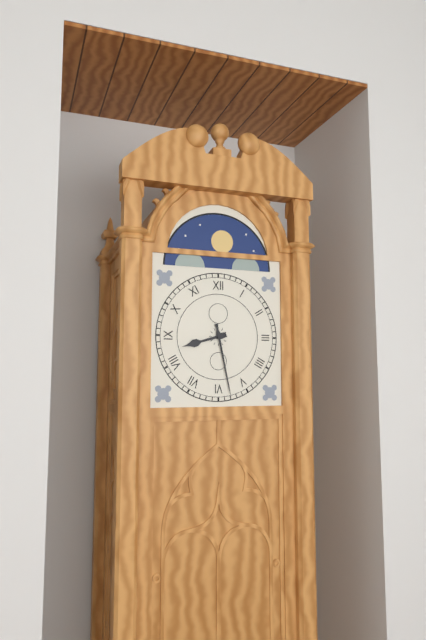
8:28
